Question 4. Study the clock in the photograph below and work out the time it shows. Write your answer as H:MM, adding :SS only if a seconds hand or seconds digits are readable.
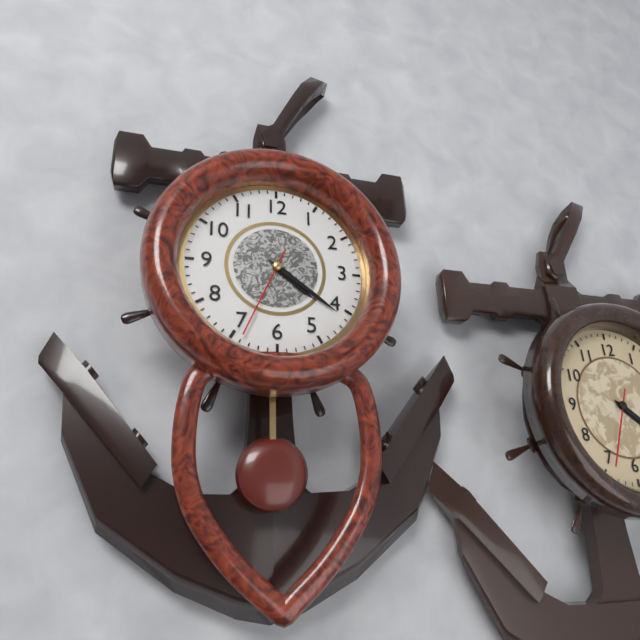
4:21:34
